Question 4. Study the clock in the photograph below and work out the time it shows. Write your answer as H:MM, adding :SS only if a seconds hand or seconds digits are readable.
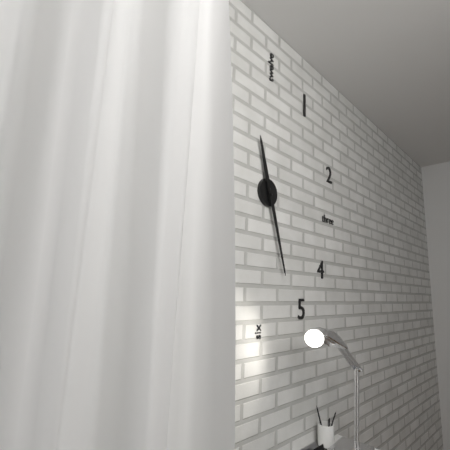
11:27
